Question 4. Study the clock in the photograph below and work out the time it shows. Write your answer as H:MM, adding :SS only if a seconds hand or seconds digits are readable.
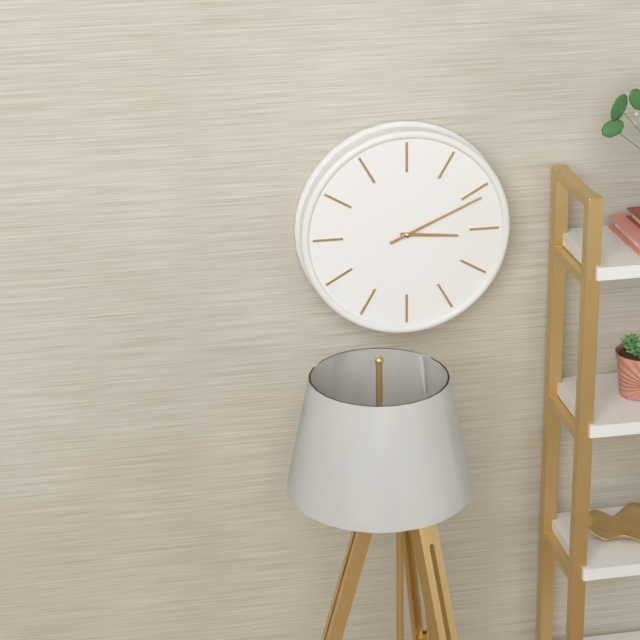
3:11
